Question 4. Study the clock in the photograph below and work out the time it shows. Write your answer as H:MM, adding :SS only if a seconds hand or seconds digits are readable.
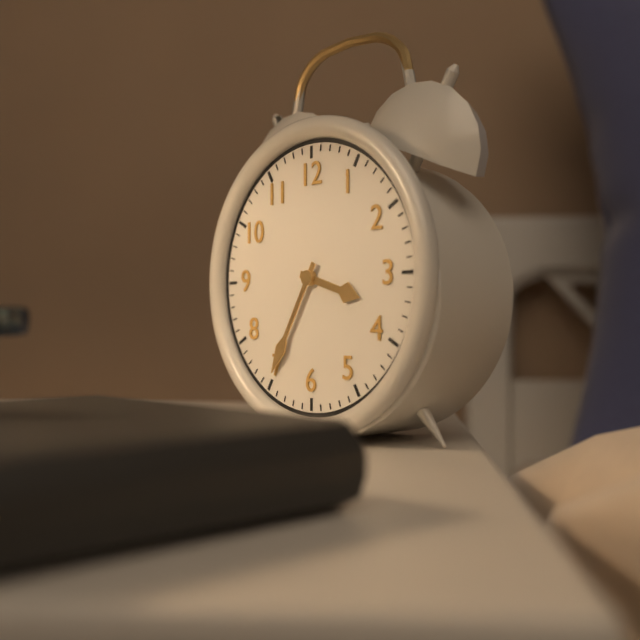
3:35
